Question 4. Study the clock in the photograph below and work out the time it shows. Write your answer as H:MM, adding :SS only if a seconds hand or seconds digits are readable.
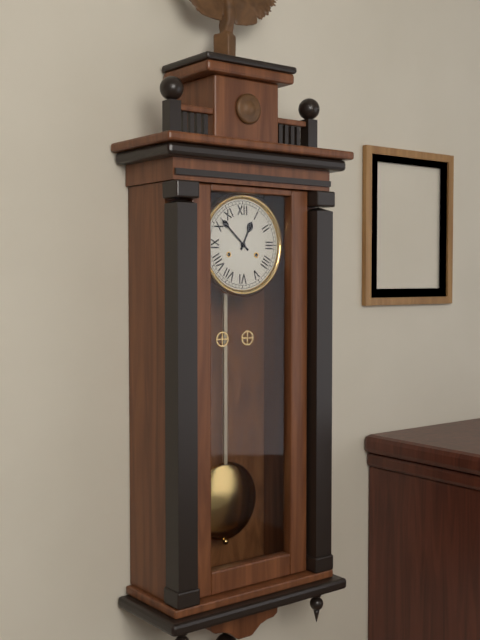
12:52
